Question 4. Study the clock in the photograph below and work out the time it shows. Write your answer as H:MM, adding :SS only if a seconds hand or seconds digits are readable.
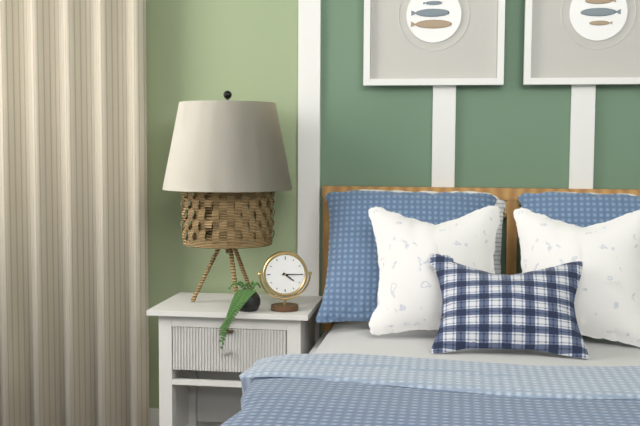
4:15
